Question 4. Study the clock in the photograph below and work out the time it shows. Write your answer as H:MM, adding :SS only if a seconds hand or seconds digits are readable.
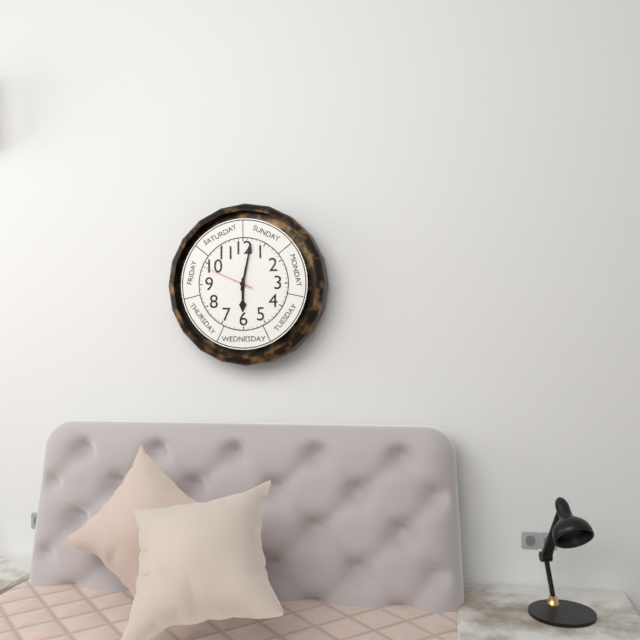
6:02:49
